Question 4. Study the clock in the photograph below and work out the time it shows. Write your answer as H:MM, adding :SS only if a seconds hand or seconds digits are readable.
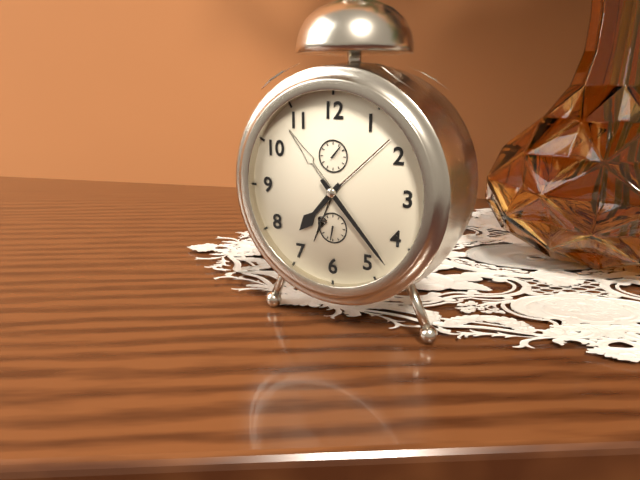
7:23
